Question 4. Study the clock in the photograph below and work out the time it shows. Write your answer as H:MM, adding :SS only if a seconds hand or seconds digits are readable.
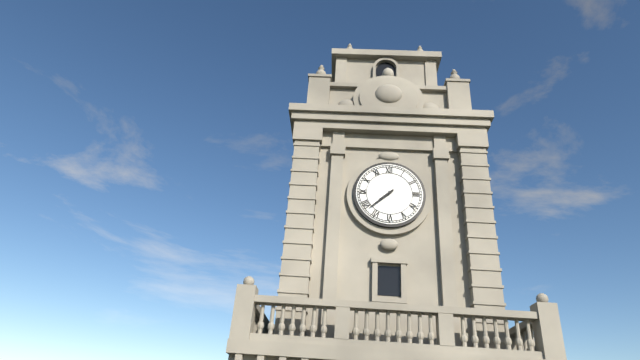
7:38
